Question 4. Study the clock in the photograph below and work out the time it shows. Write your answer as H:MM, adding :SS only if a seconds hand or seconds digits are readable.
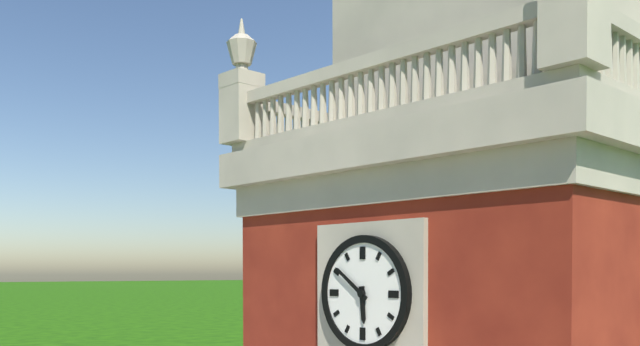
5:51
